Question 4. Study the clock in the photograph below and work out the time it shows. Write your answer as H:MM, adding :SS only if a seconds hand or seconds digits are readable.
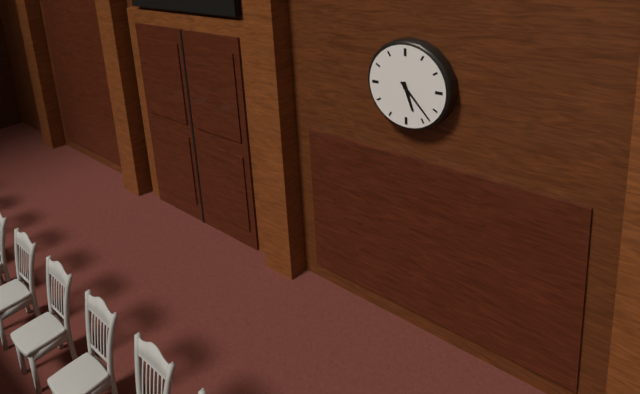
5:23
